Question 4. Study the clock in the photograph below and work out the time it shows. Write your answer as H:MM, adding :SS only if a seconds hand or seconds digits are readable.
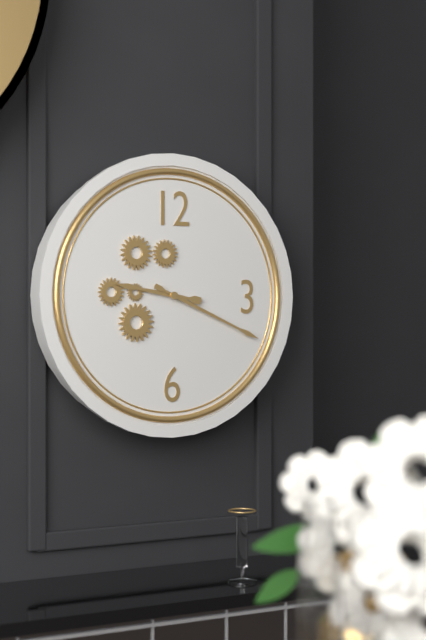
9:19
